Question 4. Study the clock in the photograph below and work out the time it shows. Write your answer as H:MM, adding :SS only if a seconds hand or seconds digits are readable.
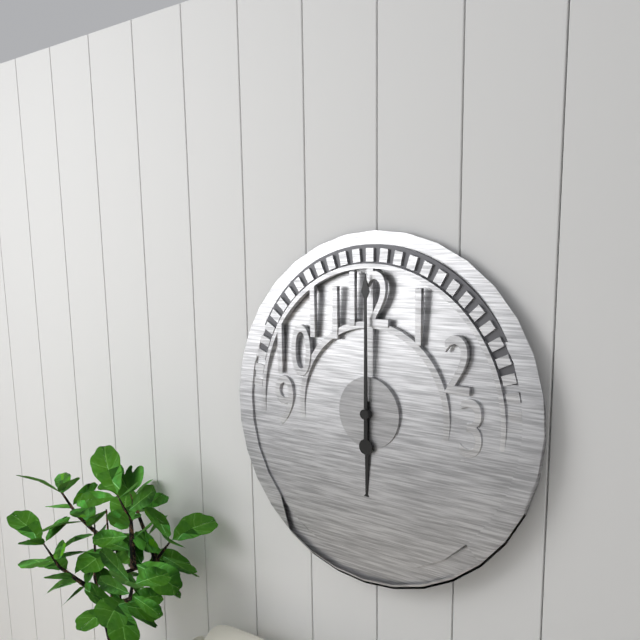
6:00
